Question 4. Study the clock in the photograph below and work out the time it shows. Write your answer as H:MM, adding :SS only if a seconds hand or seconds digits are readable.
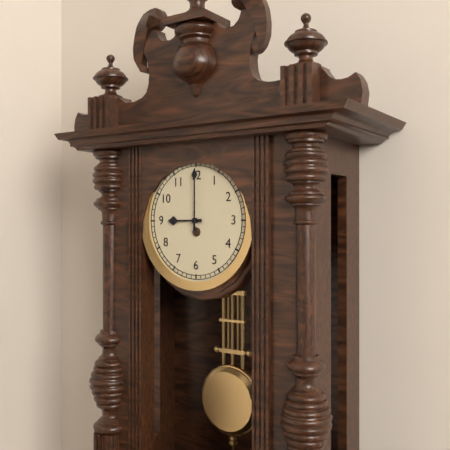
9:00
